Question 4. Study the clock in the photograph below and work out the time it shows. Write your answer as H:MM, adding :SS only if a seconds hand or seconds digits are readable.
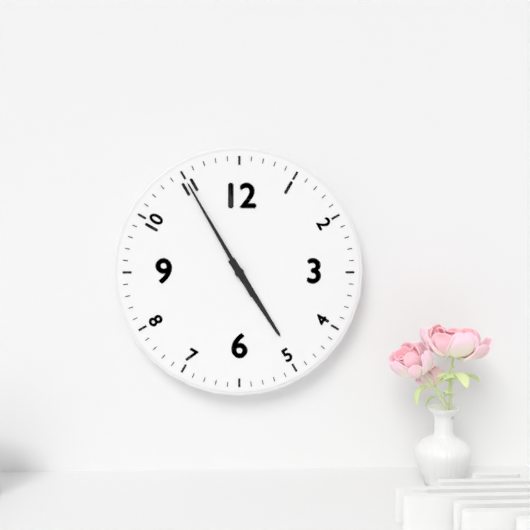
4:55
